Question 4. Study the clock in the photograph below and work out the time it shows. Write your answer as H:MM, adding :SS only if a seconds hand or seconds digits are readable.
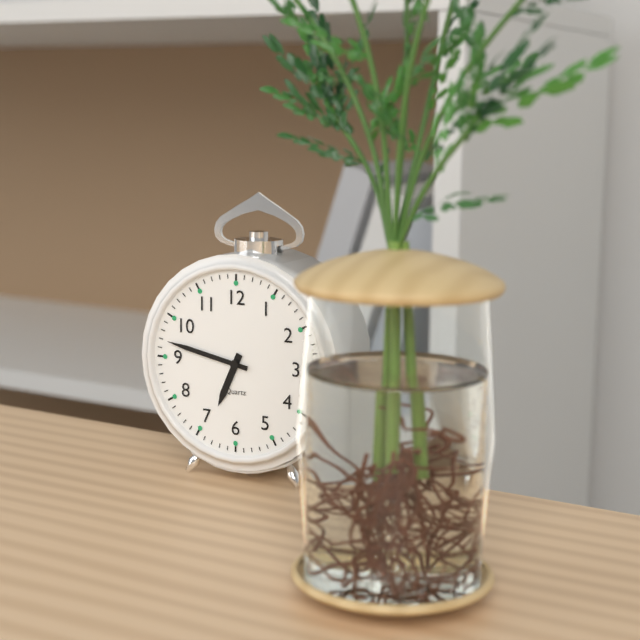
6:47
